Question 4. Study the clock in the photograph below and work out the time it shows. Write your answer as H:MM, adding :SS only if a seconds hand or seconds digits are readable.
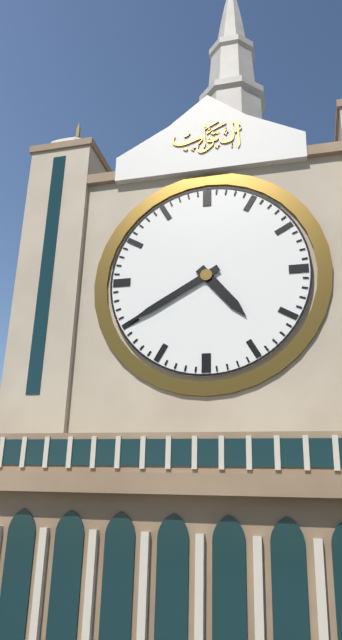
4:40
